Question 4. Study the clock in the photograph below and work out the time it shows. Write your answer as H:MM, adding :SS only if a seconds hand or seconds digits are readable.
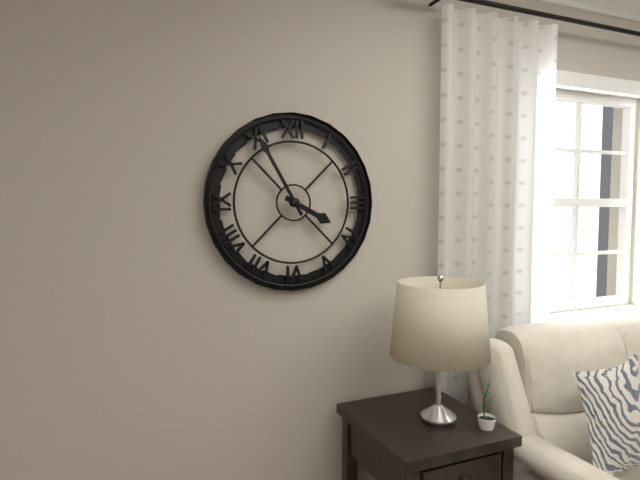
3:55
